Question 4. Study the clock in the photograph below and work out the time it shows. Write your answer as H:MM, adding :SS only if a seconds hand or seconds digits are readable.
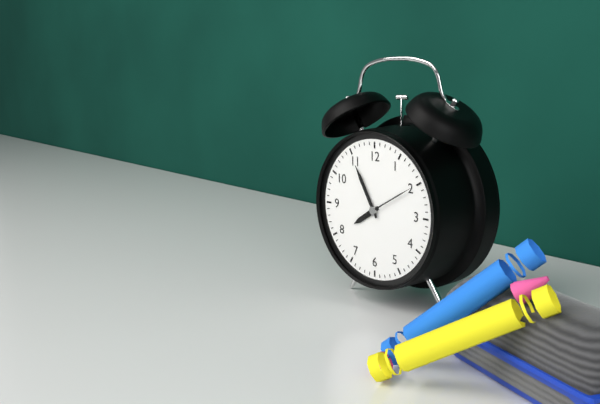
7:55:10
